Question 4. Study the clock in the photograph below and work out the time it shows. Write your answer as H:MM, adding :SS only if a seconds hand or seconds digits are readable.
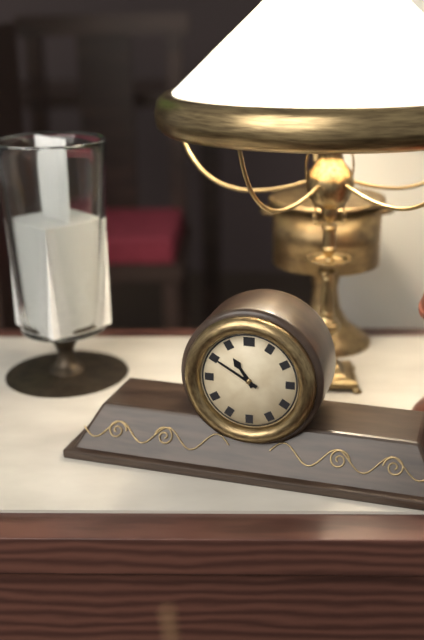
10:50
